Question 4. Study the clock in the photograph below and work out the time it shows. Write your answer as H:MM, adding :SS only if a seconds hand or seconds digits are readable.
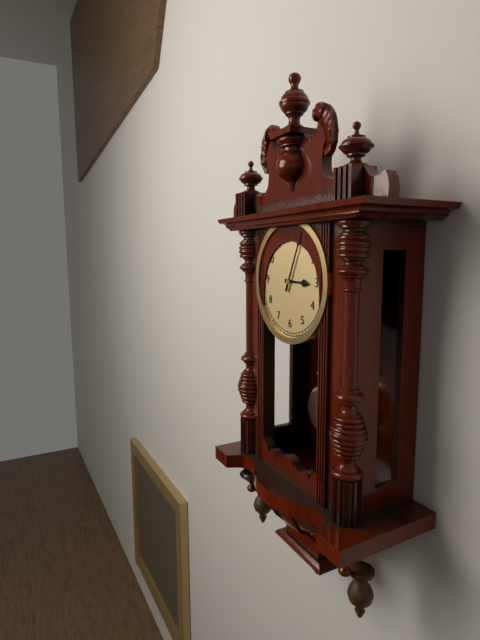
3:04
